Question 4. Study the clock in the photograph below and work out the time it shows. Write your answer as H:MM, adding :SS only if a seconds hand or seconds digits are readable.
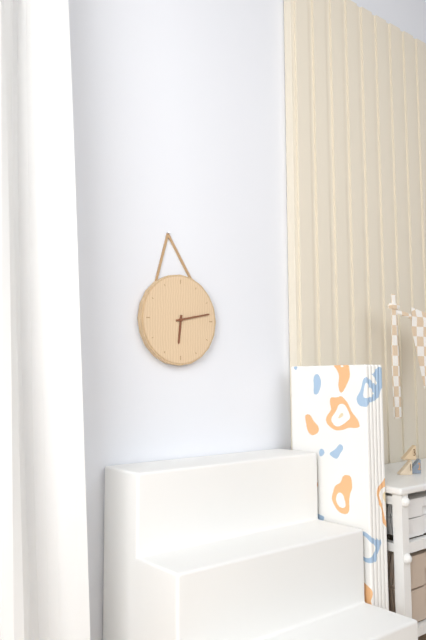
6:13
